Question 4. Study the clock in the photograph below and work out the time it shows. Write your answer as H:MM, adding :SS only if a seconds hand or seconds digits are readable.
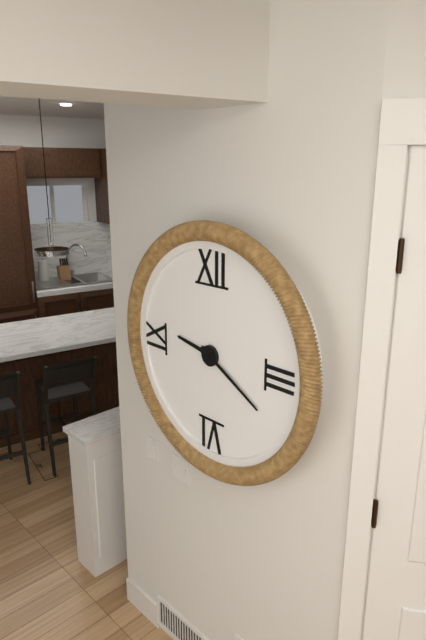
9:20
